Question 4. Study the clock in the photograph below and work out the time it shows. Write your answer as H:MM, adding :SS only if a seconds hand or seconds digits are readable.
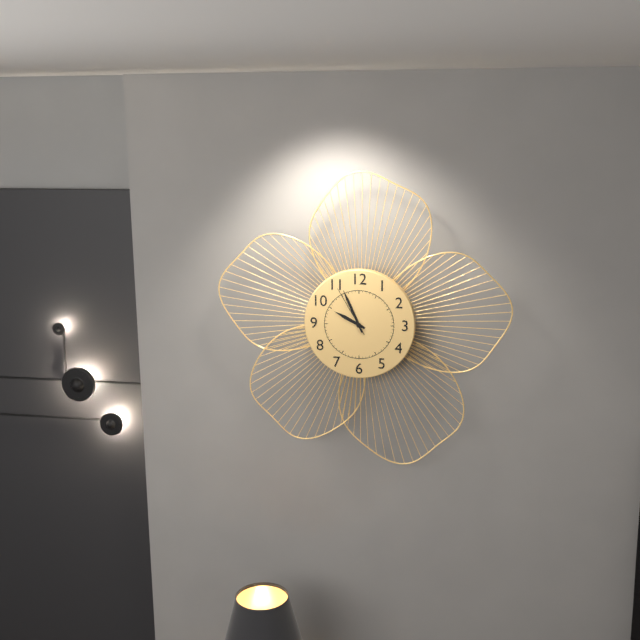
9:56:55
